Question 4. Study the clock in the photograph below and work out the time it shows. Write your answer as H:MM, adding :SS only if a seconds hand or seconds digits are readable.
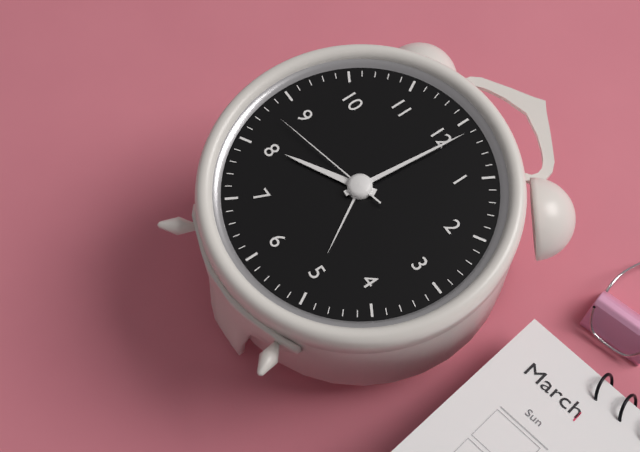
8:01:43
